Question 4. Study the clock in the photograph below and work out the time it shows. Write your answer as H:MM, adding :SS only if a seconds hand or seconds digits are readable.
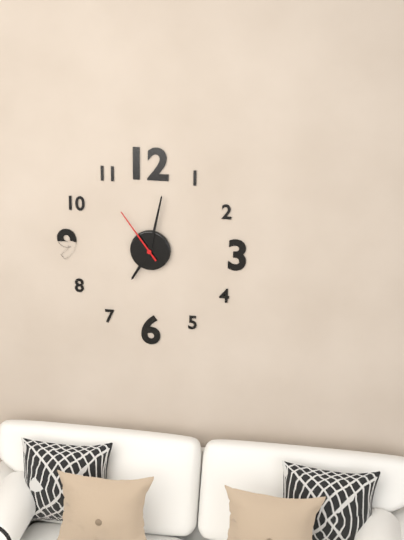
7:02:54
